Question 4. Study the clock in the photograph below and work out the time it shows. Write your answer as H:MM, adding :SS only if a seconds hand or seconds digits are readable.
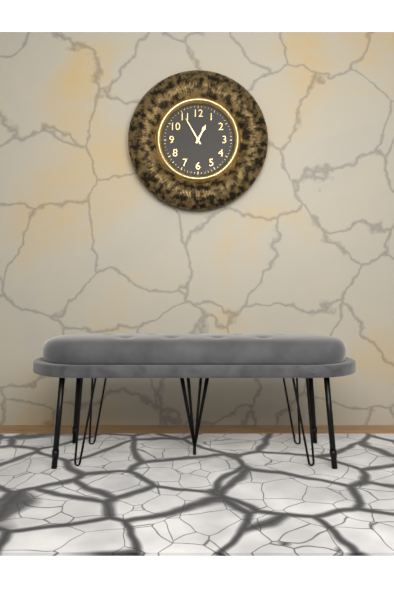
12:55
